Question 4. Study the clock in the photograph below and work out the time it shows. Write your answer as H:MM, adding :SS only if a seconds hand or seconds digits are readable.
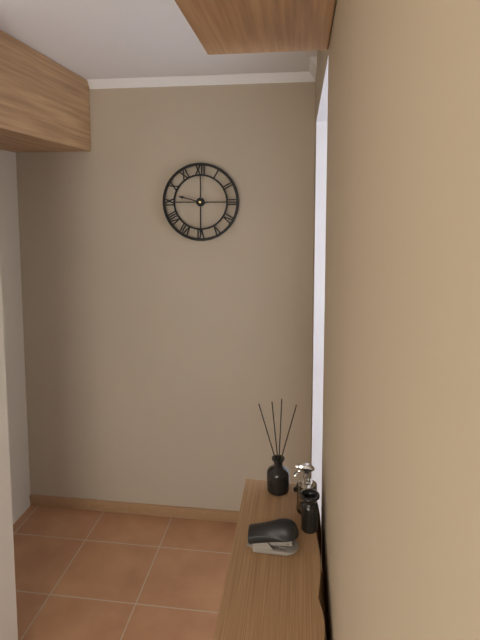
9:30
